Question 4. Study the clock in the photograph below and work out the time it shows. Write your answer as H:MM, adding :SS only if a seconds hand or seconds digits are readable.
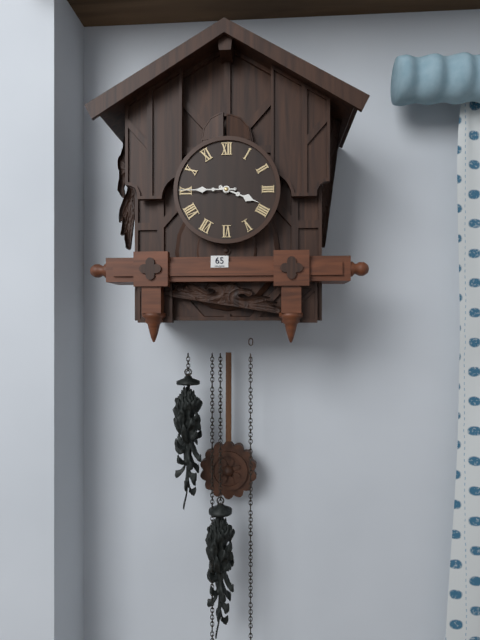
3:45
